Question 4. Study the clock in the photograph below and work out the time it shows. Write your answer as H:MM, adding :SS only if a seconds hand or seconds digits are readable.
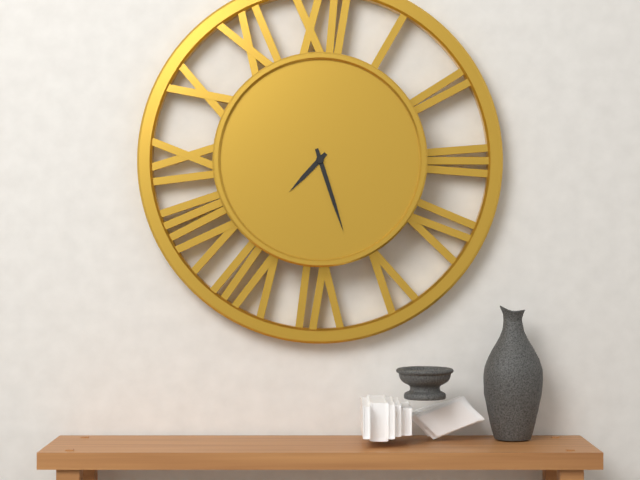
7:27
